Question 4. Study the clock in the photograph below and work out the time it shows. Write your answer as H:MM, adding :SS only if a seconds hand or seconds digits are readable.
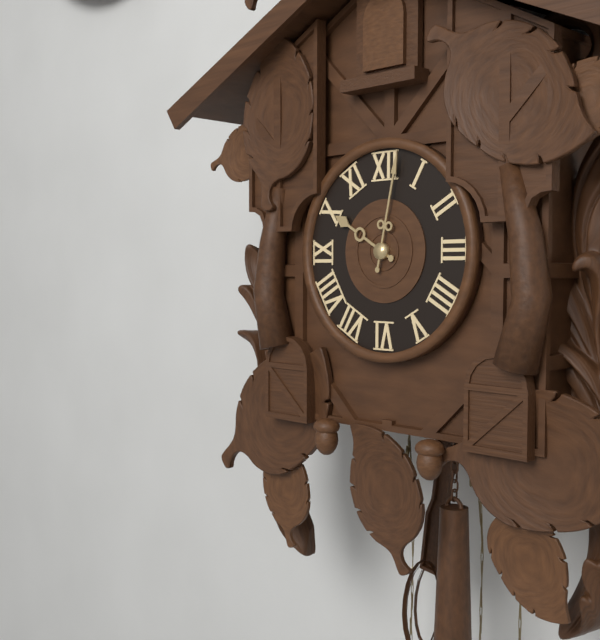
10:02
